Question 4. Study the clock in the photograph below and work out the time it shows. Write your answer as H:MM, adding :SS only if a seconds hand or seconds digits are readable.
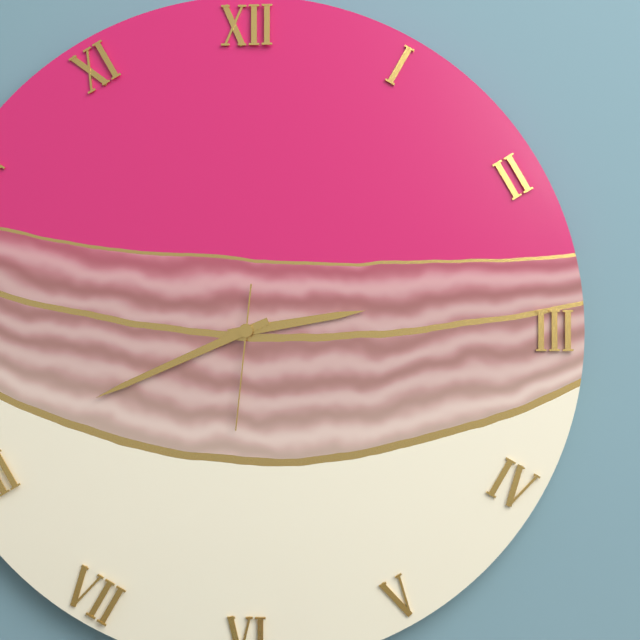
2:41:31
